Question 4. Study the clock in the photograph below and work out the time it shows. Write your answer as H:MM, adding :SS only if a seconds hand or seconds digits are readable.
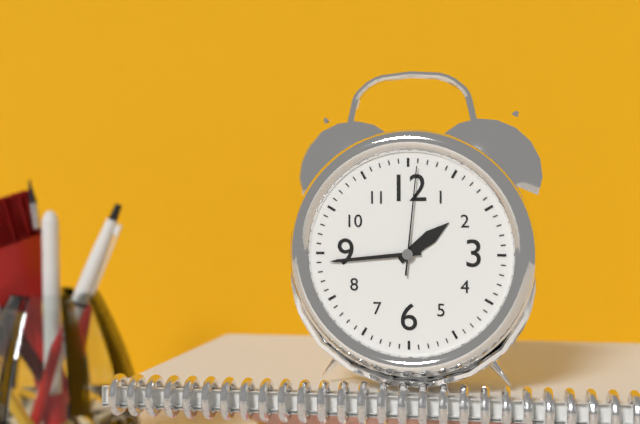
1:44:01
